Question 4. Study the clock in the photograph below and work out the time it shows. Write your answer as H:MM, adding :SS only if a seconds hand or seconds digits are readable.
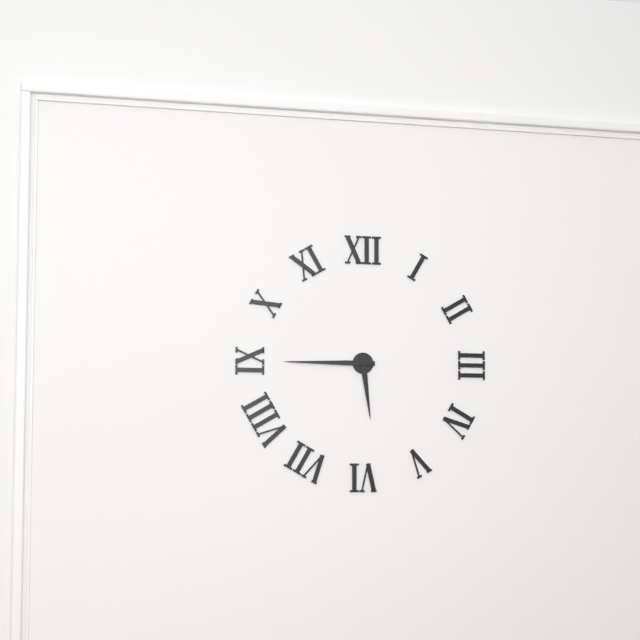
5:45
